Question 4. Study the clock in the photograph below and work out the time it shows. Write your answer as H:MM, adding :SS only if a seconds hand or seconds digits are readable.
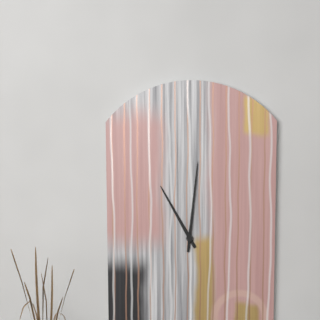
11:01
